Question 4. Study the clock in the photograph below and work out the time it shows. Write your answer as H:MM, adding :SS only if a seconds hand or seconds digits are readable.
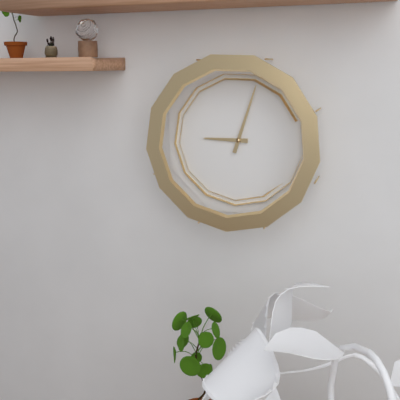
9:03
